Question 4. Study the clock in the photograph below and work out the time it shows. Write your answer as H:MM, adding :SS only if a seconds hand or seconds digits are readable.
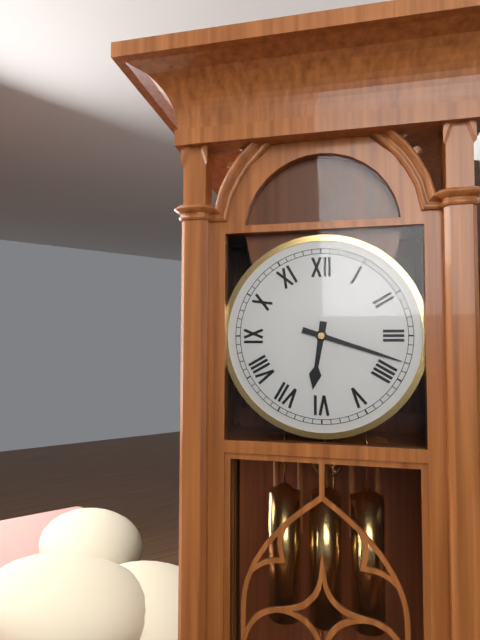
6:18
